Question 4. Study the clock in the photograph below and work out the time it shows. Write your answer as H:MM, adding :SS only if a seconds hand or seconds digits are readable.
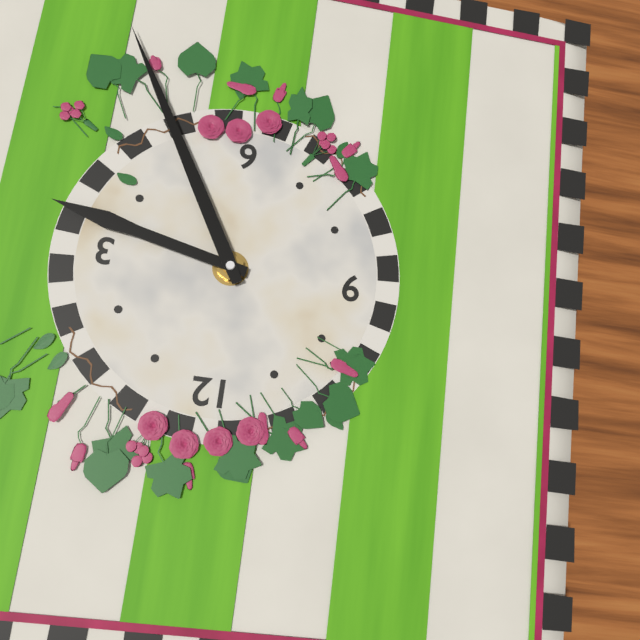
3:25
